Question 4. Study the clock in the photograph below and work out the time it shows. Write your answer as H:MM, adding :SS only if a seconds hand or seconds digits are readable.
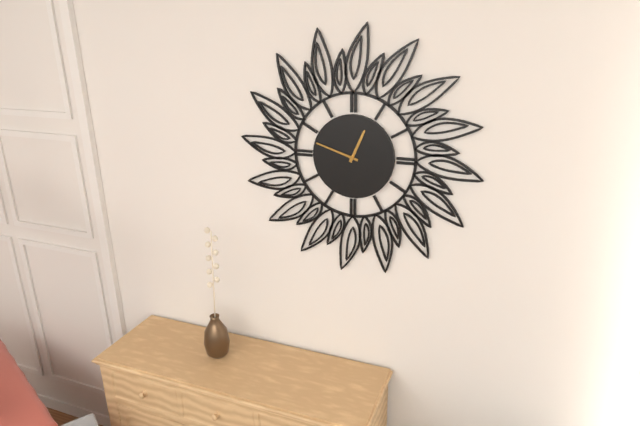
12:48
